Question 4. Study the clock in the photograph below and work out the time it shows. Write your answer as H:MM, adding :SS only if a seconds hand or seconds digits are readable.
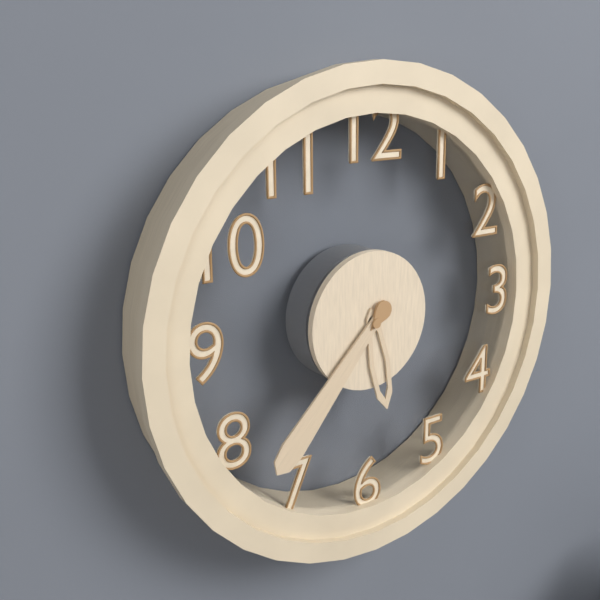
5:37
